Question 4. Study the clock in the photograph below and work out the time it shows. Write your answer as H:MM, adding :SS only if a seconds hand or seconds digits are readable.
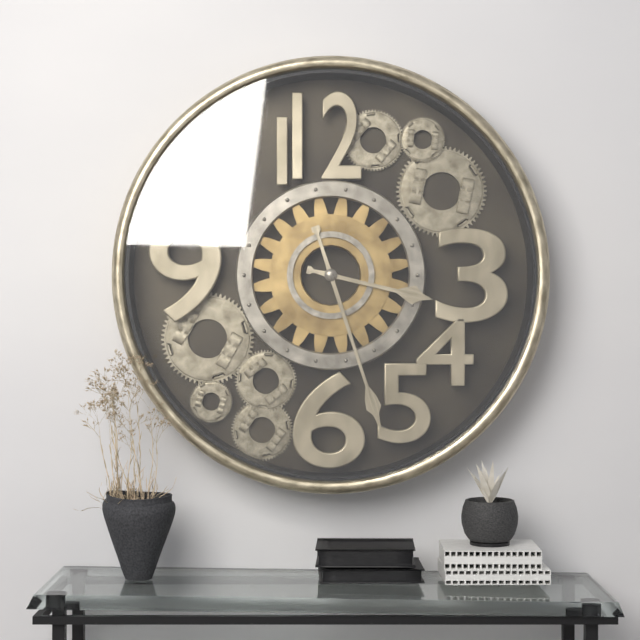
3:27
